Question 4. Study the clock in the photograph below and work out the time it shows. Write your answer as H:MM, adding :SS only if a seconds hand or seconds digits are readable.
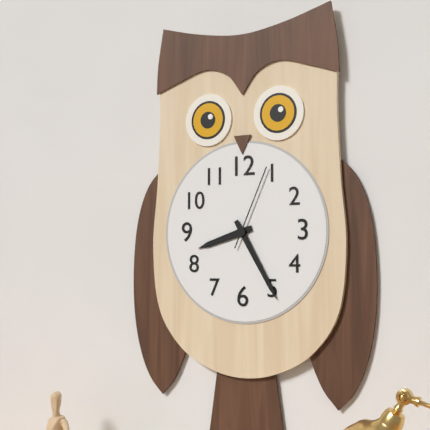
8:25:04
